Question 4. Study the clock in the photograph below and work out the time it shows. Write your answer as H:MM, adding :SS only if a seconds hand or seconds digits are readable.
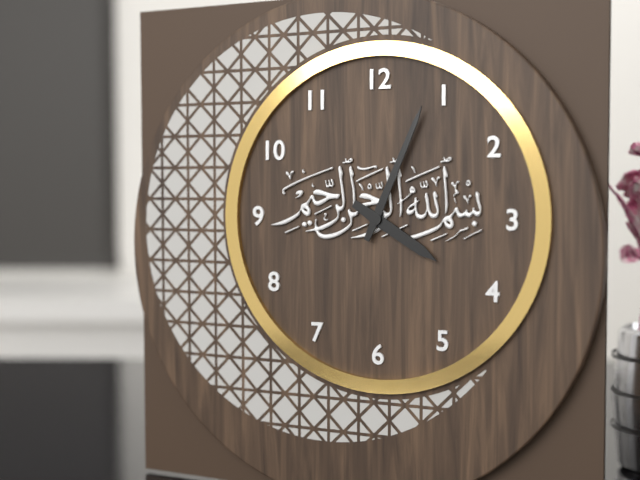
4:04
